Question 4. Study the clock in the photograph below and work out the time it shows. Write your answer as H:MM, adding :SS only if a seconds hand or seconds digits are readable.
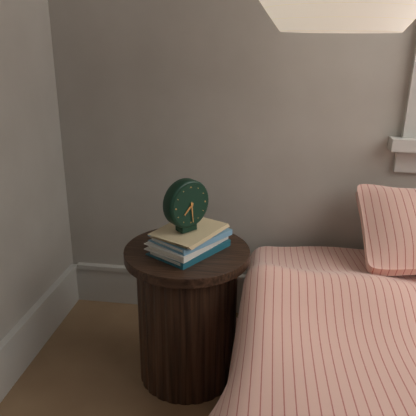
7:29
